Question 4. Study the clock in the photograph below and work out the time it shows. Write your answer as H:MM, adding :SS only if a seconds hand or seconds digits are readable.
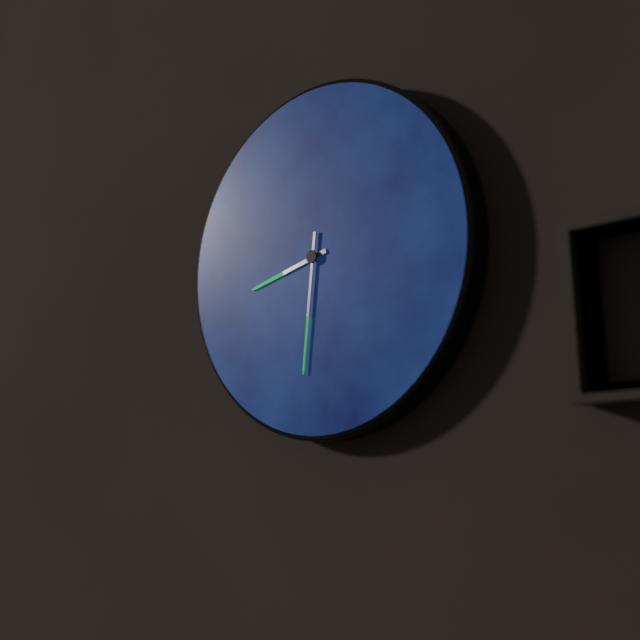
8:31
